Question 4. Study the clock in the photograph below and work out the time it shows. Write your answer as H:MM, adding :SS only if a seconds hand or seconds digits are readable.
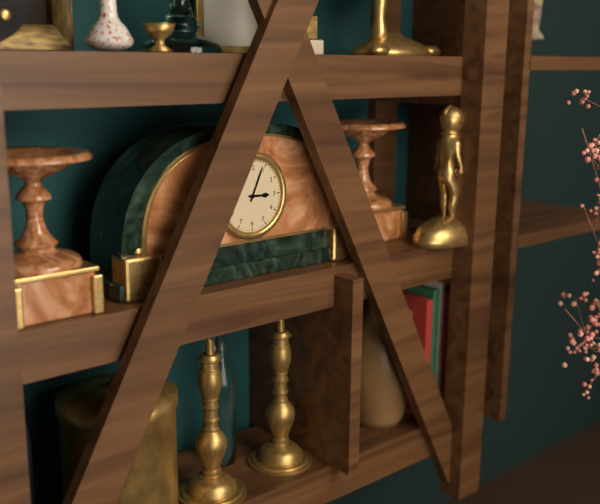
3:04
